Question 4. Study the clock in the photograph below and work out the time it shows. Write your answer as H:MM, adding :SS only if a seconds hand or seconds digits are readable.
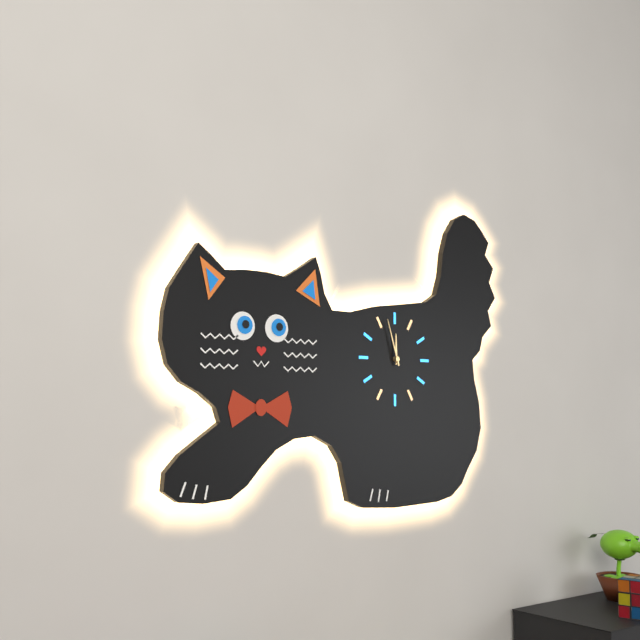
11:57
